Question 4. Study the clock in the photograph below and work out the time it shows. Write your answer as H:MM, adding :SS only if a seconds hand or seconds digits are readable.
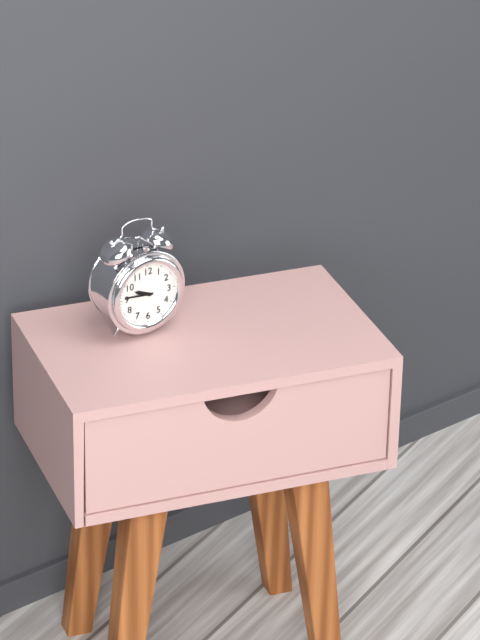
9:46
